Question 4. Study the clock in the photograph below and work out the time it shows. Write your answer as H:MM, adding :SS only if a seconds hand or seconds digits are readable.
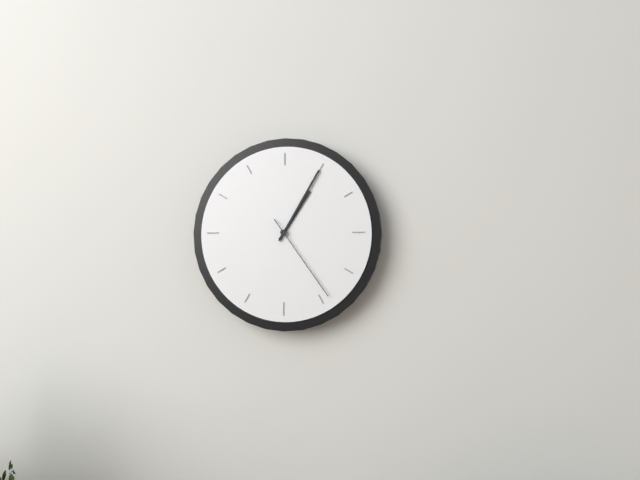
1:05:24
